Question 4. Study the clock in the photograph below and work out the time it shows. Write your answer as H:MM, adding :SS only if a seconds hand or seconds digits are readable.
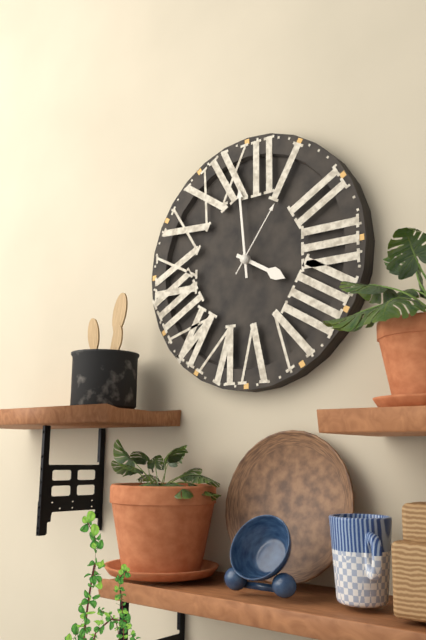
3:59:06
